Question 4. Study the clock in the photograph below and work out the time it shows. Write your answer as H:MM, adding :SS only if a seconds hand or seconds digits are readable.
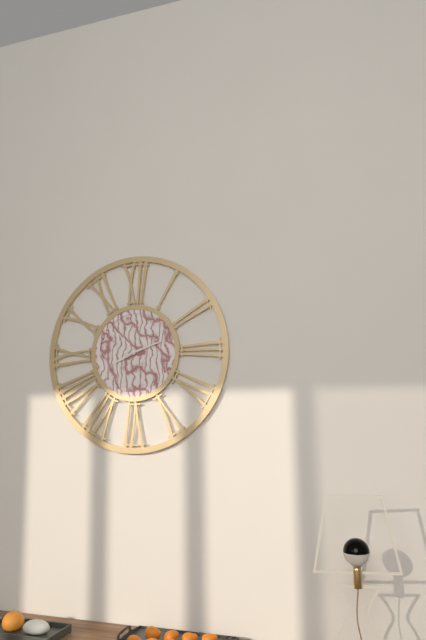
8:12
